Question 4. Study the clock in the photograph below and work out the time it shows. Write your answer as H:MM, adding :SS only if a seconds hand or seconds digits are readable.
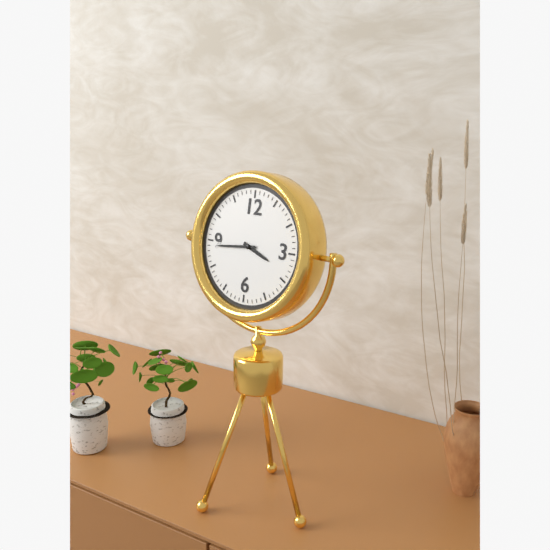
3:44
